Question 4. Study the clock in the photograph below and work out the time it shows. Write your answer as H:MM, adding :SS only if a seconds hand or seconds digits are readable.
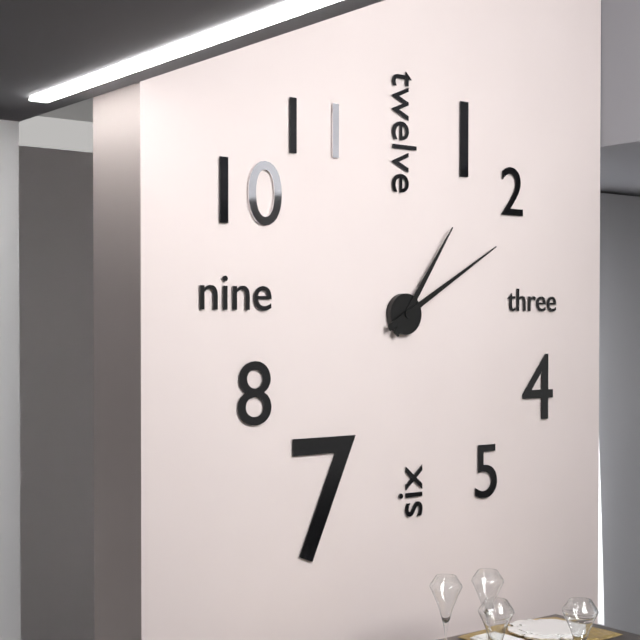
1:10
